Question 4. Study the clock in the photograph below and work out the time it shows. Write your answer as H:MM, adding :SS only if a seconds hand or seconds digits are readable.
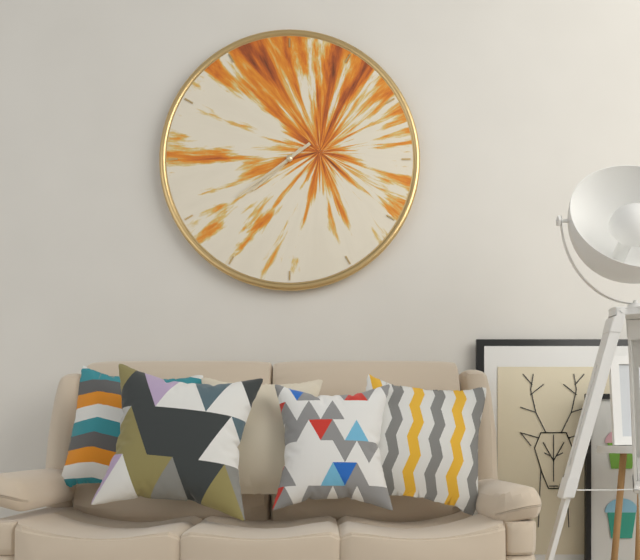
7:39
